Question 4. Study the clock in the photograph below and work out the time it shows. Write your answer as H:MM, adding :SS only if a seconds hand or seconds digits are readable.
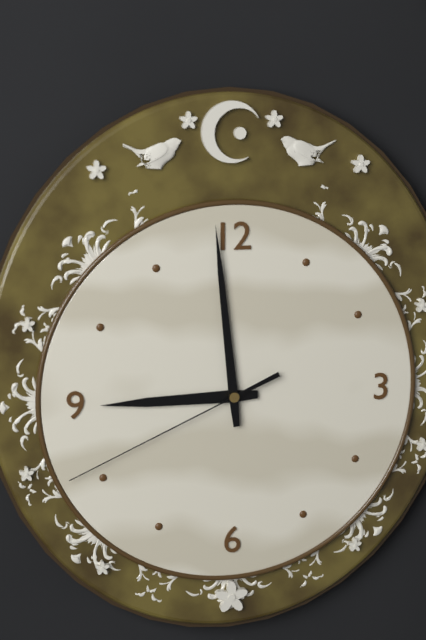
8:59:41
